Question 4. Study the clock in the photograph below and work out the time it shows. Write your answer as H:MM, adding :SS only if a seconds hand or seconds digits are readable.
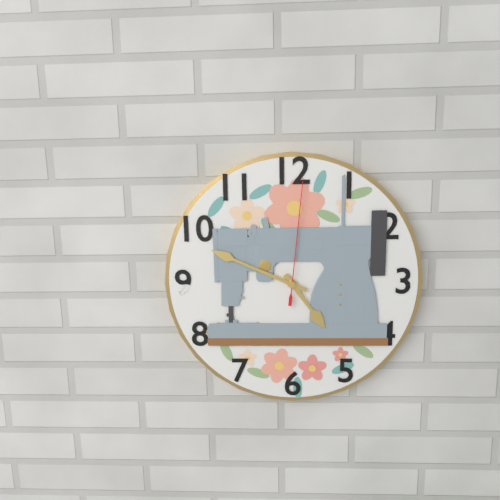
4:49:01
